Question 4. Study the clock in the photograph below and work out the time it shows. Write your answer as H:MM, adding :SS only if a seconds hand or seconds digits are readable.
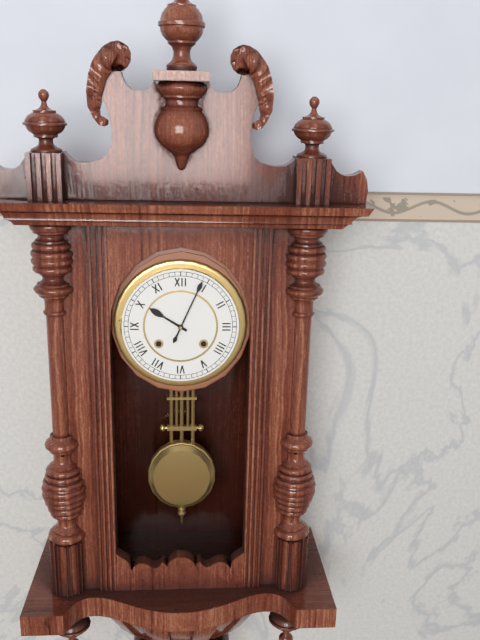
10:04
